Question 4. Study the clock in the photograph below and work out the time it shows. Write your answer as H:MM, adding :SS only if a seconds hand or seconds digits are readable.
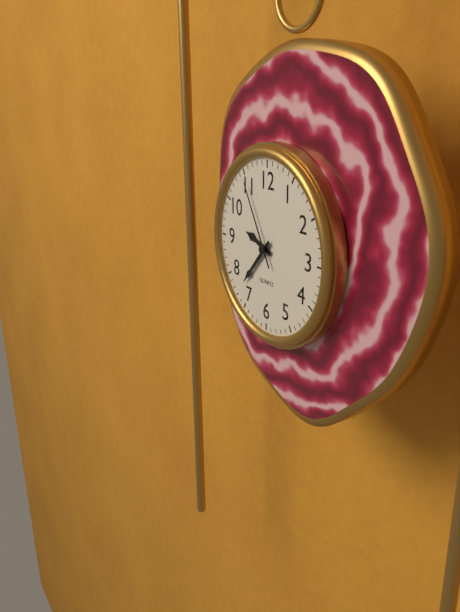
9:37:55
